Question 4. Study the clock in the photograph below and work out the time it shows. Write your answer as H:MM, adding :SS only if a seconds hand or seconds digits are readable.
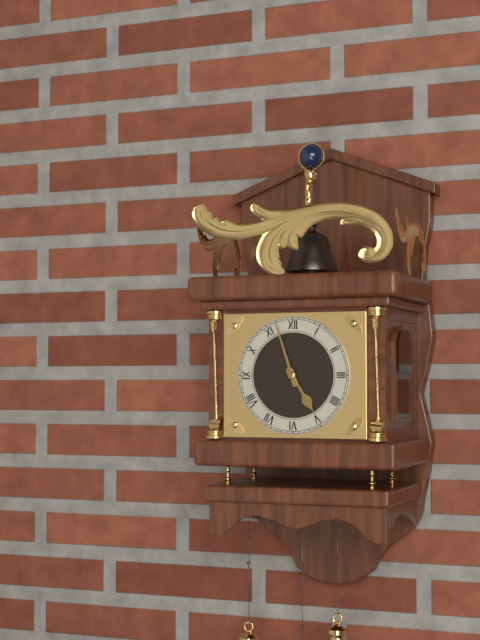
4:57
